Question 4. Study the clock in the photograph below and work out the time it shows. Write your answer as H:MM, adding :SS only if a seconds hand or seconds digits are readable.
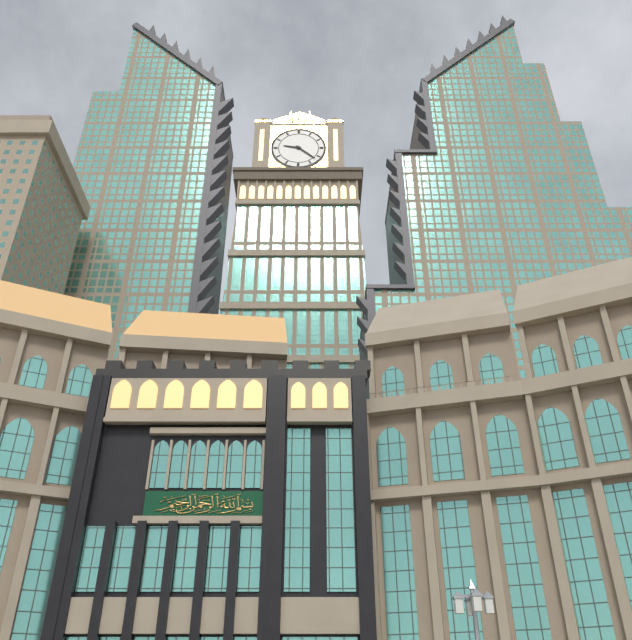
9:22
